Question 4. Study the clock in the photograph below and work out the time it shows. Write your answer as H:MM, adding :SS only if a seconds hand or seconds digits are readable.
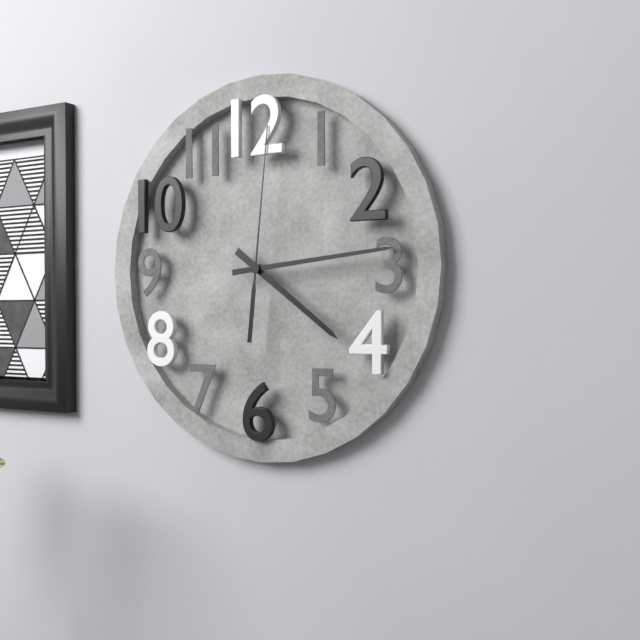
4:14:01
